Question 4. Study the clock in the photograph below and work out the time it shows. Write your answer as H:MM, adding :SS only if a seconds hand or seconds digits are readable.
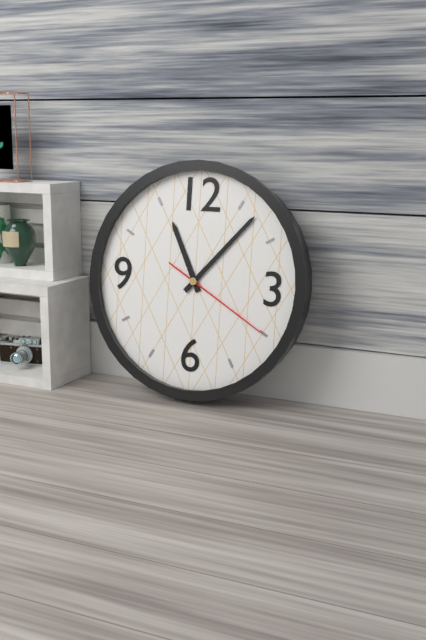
11:07:20
